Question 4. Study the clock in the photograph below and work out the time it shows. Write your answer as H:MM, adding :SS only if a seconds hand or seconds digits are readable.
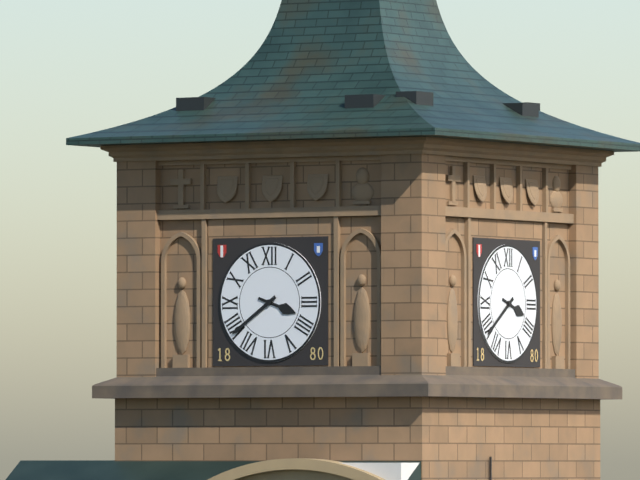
3:39
